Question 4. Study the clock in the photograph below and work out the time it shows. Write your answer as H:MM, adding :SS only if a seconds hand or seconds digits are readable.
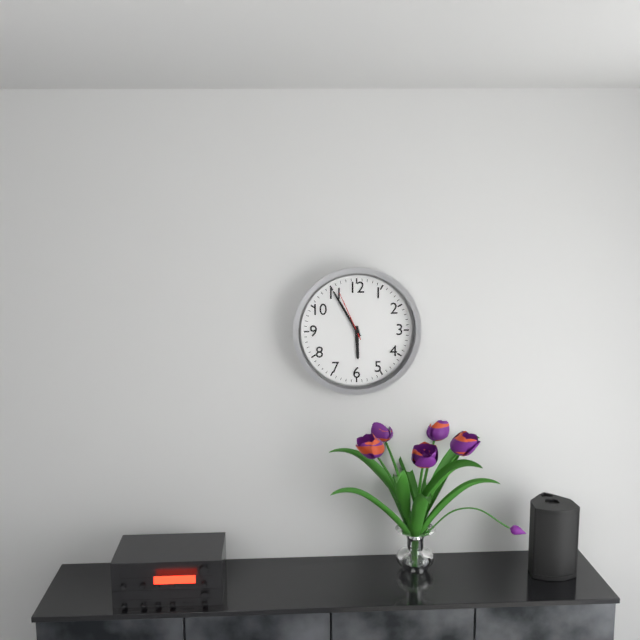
5:55:56
